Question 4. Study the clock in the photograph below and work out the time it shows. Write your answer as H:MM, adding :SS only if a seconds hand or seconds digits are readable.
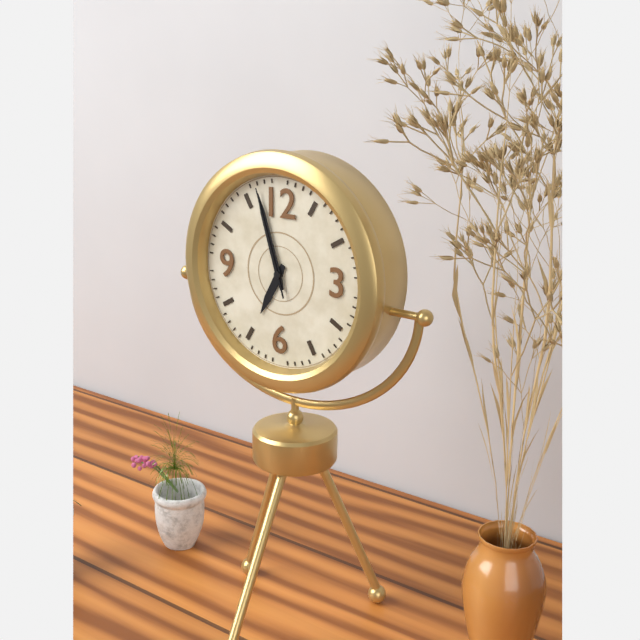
6:57:57
